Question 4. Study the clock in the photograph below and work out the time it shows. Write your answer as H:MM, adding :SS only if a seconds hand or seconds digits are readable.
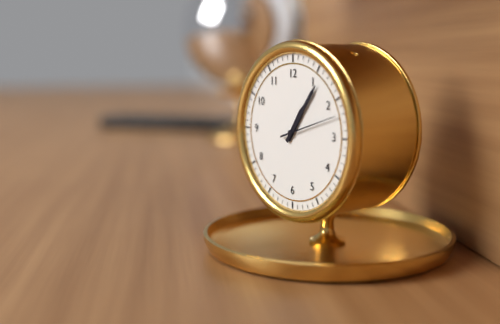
1:06:12
